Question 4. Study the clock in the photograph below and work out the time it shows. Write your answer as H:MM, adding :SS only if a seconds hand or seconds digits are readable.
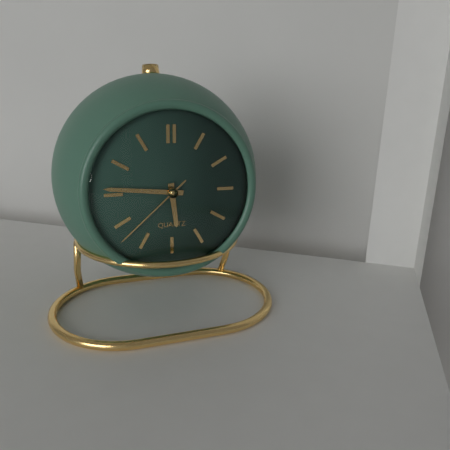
5:46:38
